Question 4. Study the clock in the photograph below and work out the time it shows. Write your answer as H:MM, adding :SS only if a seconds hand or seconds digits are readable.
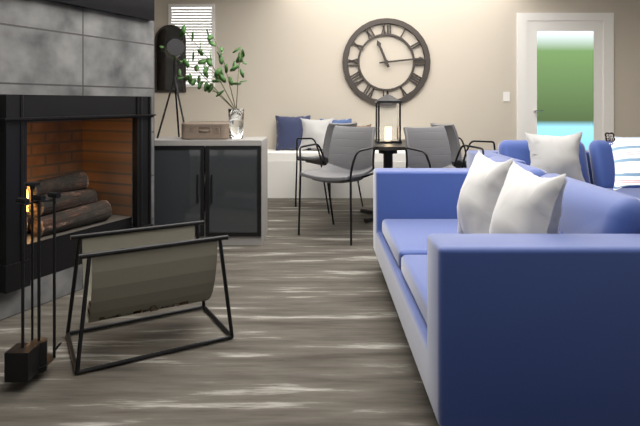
11:14
